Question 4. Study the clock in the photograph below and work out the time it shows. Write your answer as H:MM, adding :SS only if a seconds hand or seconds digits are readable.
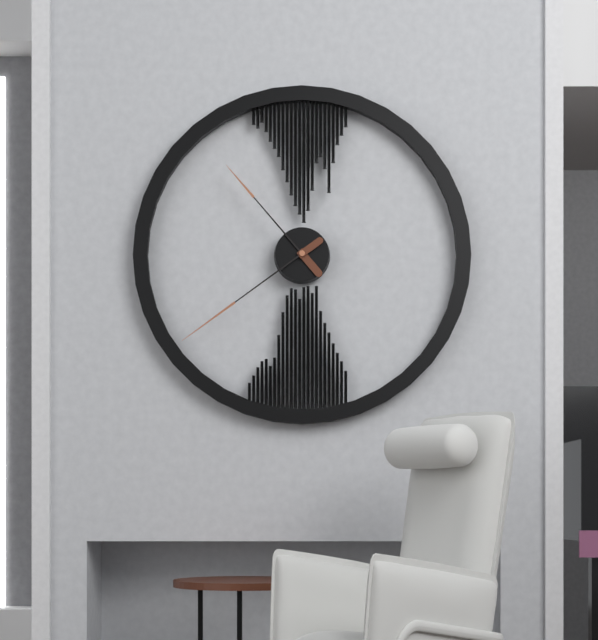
10:39
